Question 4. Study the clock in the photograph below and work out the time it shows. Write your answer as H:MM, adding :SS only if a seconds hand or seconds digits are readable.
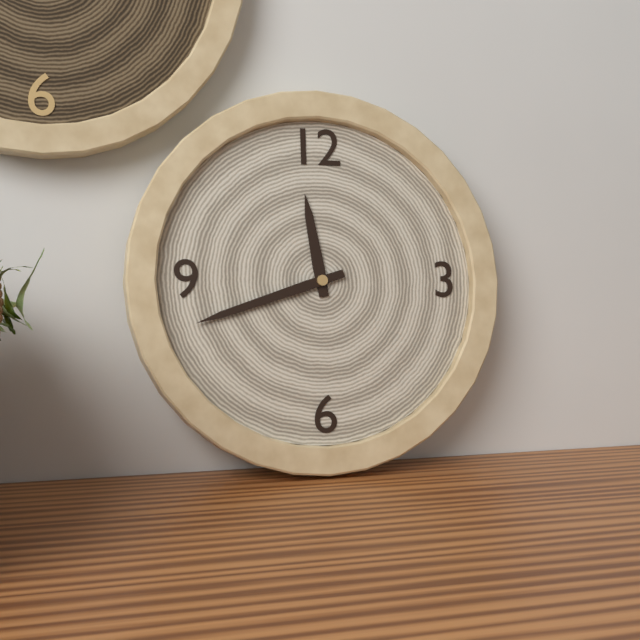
11:42
